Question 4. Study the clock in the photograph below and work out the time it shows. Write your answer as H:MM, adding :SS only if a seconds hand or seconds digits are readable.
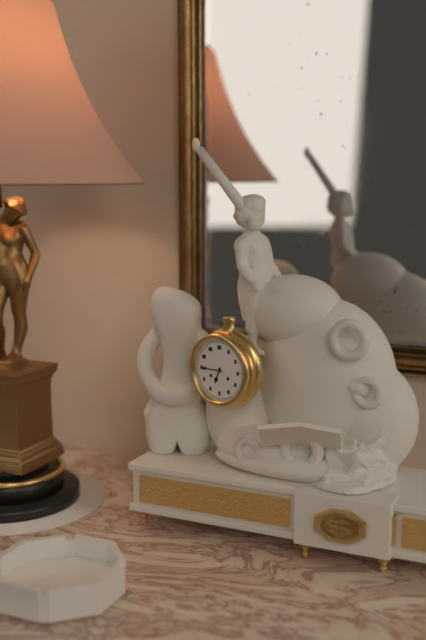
6:45
